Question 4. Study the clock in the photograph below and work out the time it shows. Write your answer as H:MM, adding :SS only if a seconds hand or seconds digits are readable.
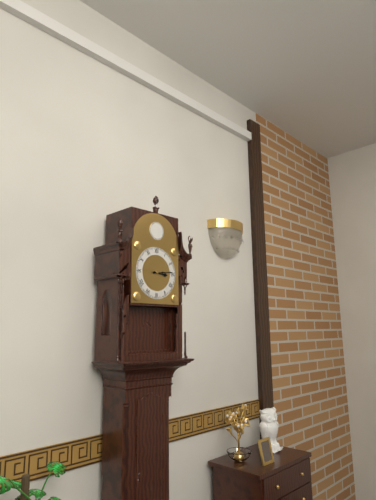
3:14
